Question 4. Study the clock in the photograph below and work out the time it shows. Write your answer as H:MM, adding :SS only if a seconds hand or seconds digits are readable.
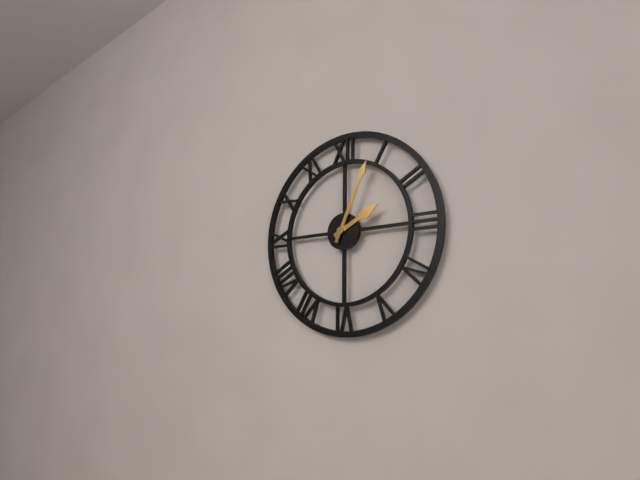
2:04
